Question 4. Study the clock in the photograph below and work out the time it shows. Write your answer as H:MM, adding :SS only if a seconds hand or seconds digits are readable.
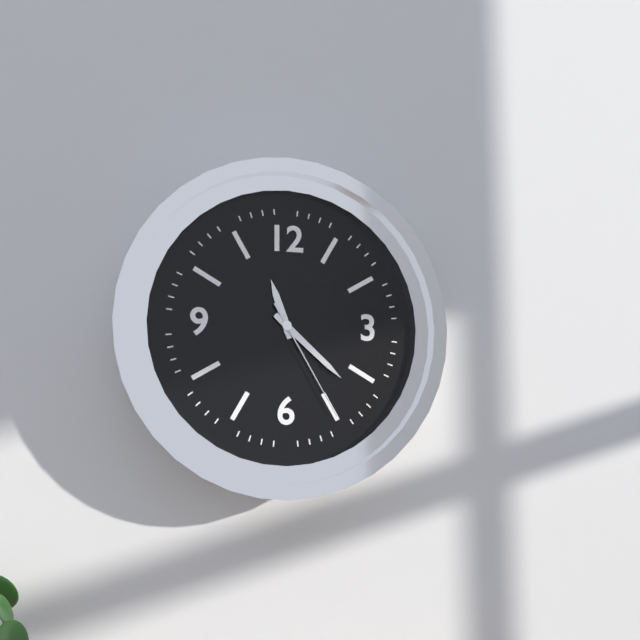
11:22:25
